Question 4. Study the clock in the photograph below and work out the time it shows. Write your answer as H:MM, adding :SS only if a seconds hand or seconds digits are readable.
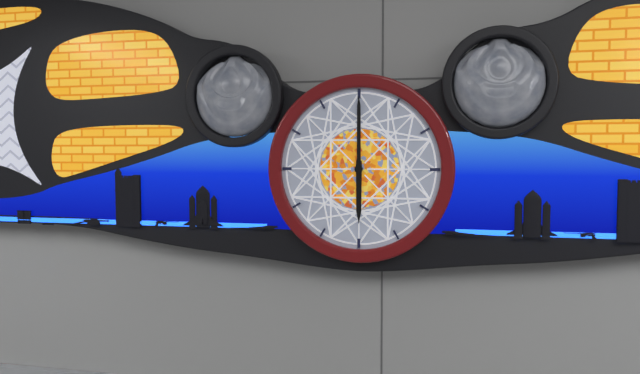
6:00
